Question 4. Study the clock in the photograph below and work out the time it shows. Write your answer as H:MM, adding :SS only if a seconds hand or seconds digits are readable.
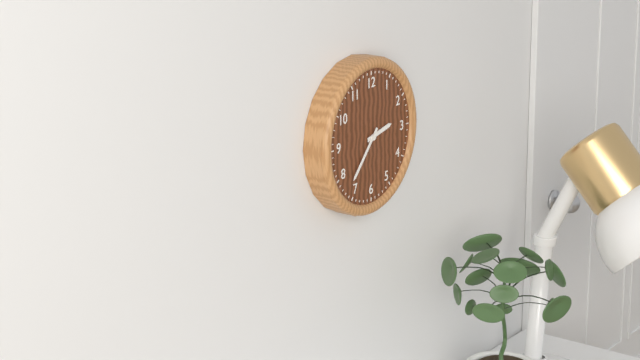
2:37
